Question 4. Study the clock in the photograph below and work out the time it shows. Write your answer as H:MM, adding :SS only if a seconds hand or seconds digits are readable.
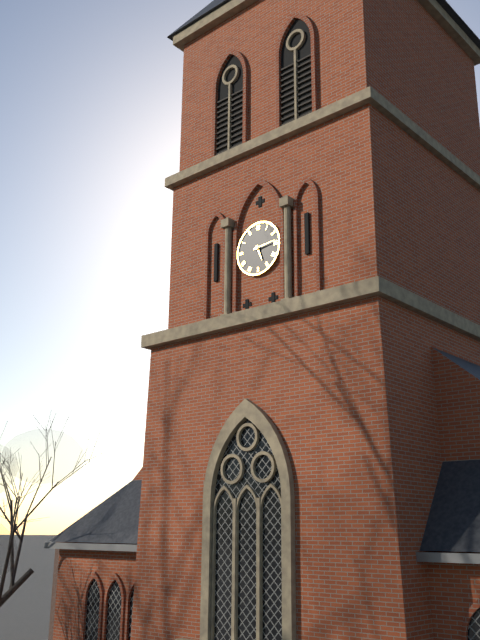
5:14
